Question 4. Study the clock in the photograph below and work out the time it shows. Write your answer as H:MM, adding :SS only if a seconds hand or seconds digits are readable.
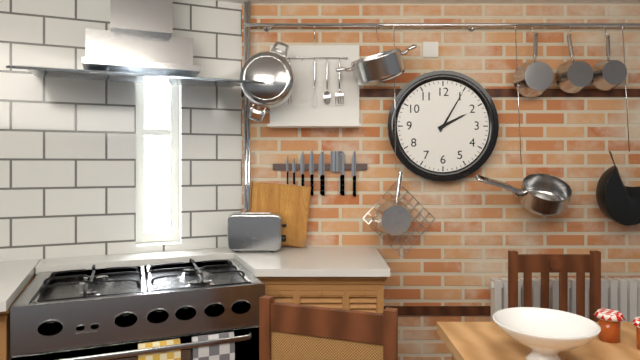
2:05
